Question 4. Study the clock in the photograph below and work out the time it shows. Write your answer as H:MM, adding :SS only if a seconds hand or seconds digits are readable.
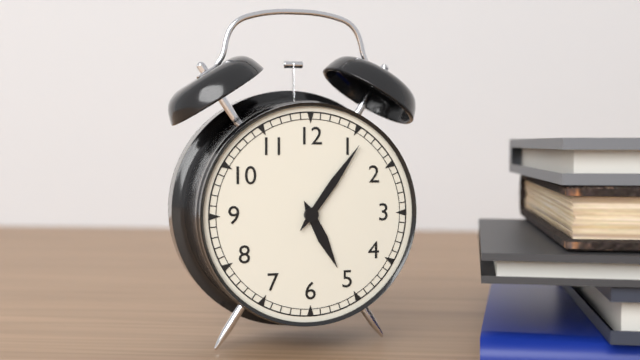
5:06
